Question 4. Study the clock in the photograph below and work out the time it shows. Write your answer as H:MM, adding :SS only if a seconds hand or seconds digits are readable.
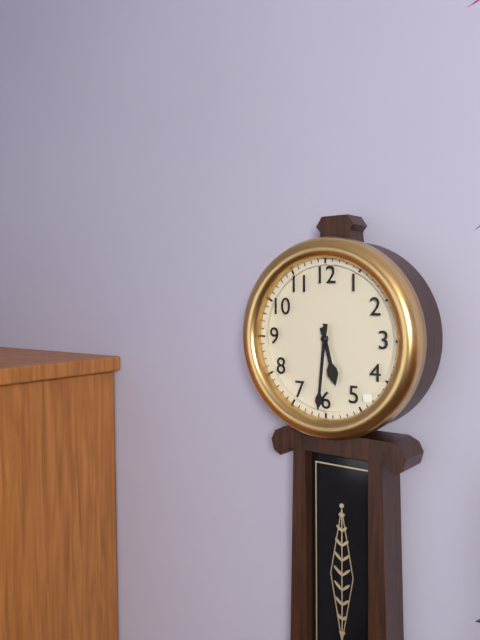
5:31
